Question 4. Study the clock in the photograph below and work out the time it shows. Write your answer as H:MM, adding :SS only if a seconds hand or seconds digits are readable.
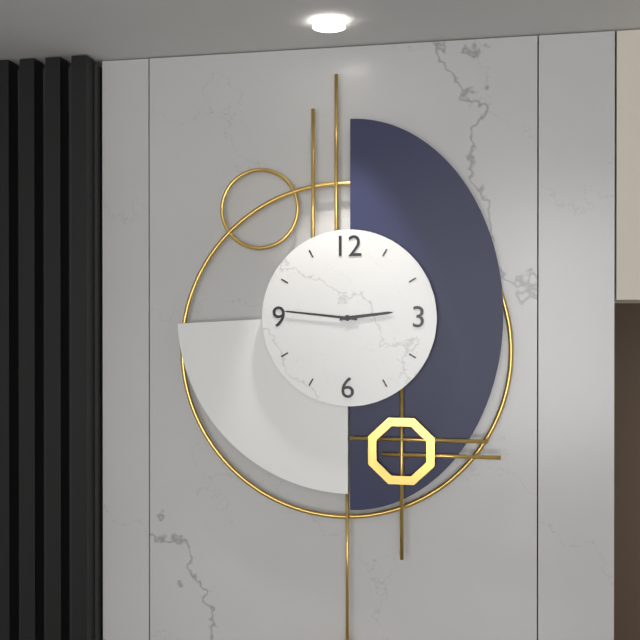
2:46
